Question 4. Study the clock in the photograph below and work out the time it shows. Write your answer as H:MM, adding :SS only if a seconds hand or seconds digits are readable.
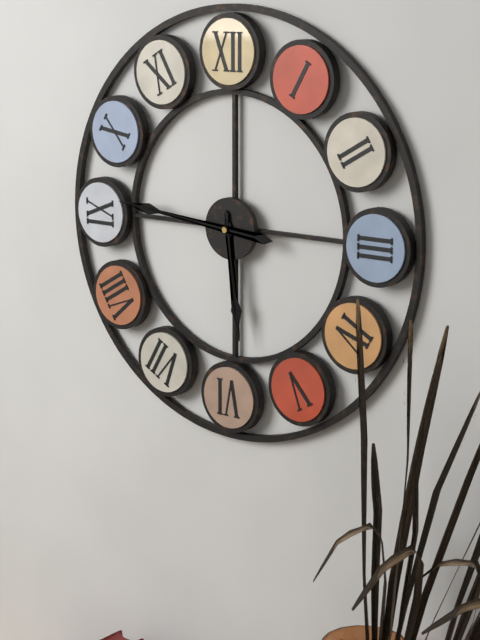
5:46
